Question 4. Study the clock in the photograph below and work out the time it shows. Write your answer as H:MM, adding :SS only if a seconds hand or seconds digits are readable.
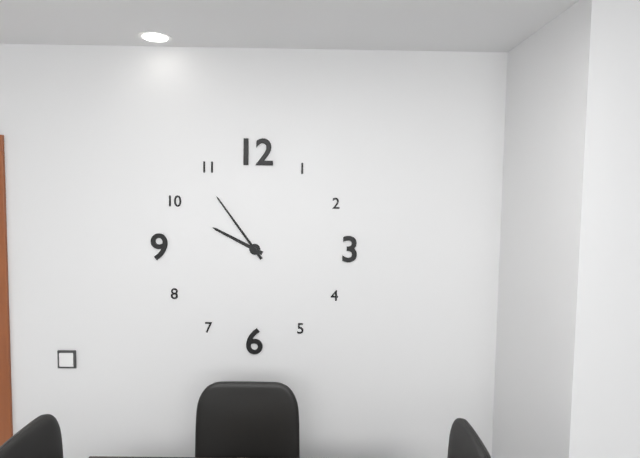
9:54
